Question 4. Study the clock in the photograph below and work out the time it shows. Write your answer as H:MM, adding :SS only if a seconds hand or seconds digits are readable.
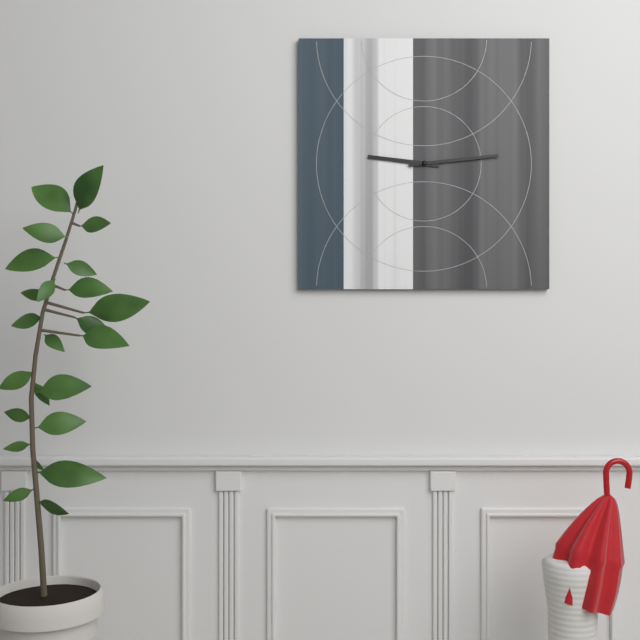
9:14
